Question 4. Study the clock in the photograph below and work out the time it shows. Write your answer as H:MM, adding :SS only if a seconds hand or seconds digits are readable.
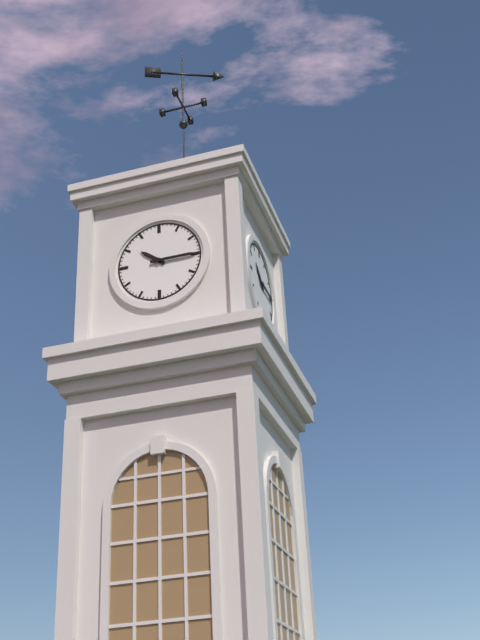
10:15
